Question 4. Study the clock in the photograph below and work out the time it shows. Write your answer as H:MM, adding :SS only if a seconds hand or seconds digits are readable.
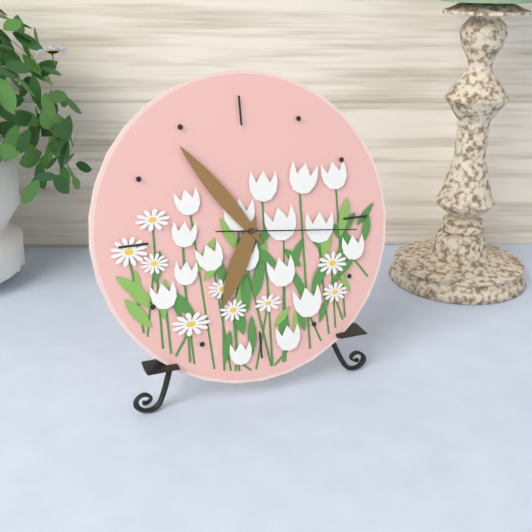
6:54:16
